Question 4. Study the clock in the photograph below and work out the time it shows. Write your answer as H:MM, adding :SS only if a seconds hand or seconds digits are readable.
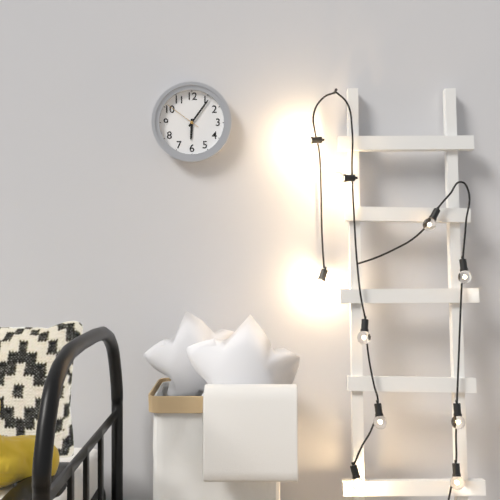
6:06
